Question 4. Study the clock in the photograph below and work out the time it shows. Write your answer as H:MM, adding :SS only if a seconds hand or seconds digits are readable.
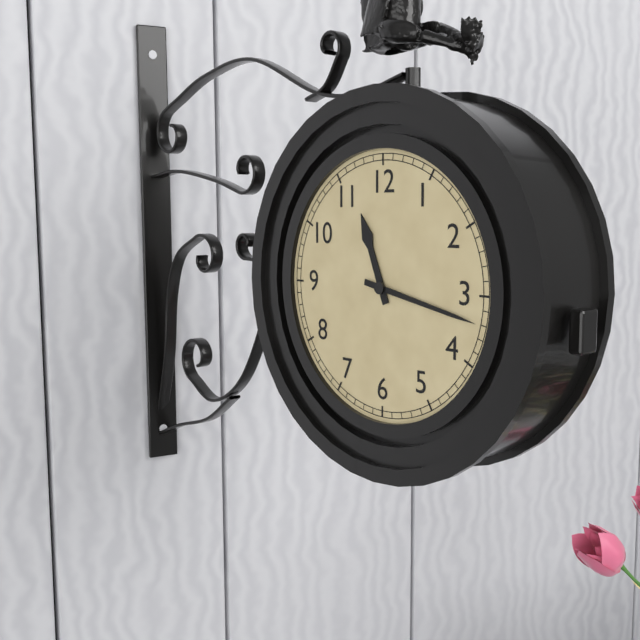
11:17
